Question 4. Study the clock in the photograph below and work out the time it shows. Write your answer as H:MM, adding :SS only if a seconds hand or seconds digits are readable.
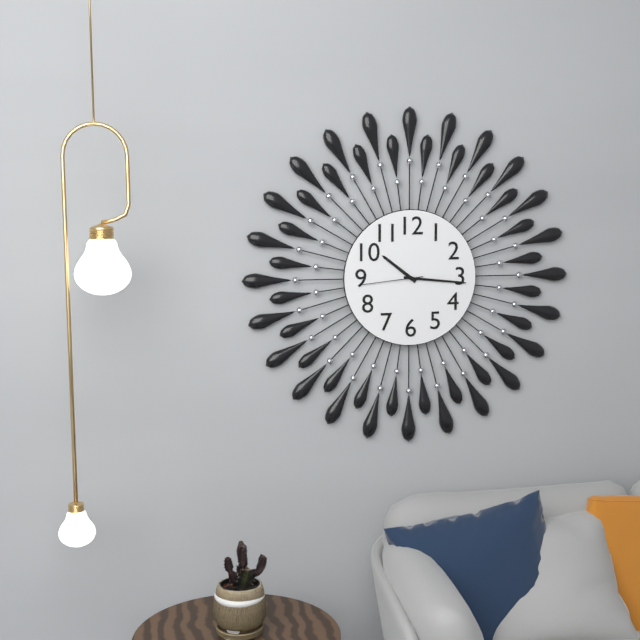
10:16:44
